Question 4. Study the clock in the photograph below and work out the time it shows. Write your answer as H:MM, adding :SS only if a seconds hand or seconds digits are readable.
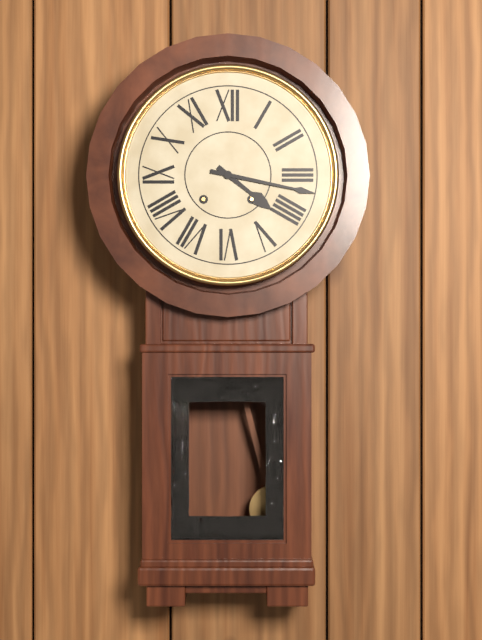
4:17
